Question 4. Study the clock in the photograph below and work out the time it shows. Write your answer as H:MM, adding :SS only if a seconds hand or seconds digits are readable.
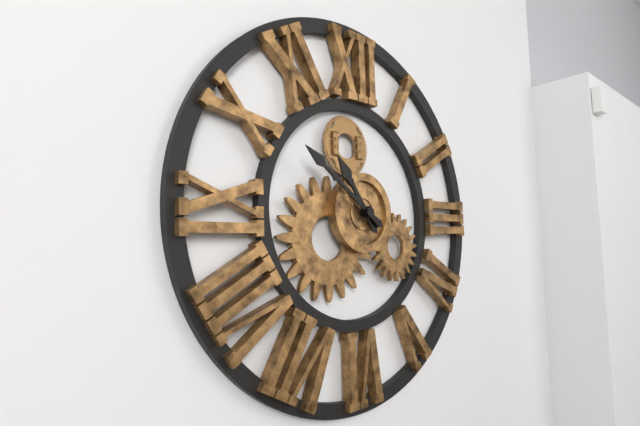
10:51
